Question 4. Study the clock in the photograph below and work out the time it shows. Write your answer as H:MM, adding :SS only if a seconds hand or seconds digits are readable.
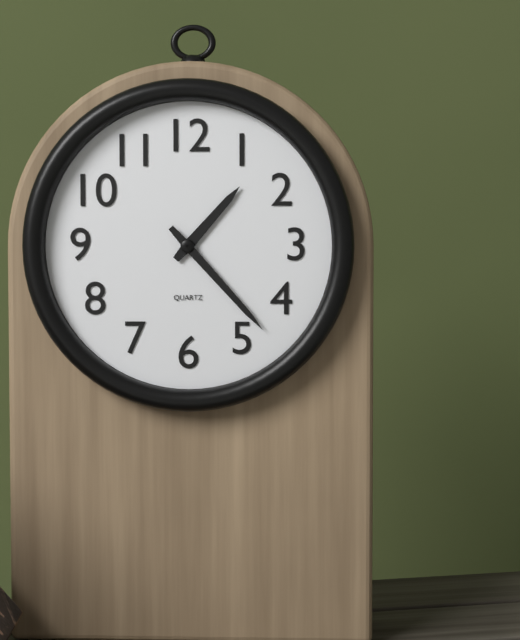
1:23
